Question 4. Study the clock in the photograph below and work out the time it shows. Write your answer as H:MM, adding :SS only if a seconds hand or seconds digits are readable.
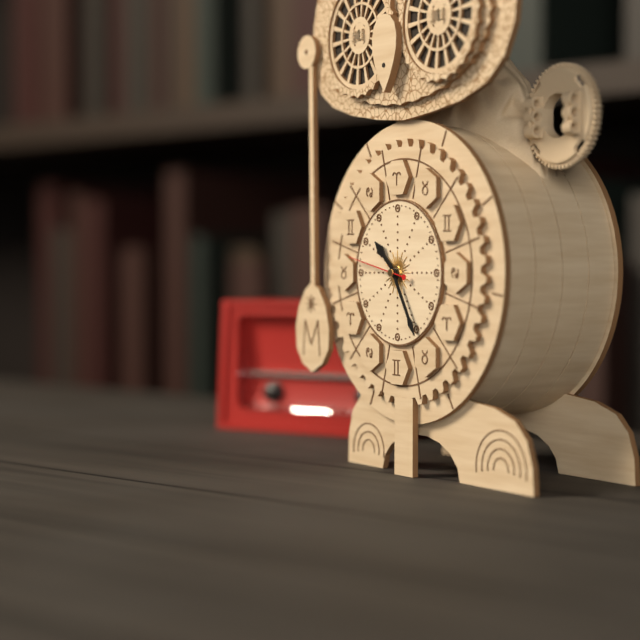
10:25:47
